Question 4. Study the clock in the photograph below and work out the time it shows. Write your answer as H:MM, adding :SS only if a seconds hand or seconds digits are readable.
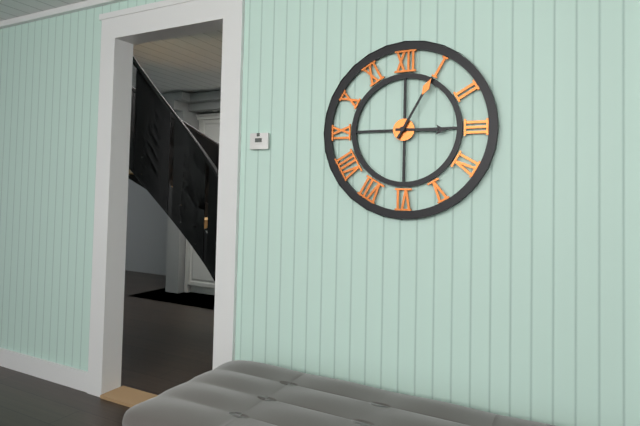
3:05
